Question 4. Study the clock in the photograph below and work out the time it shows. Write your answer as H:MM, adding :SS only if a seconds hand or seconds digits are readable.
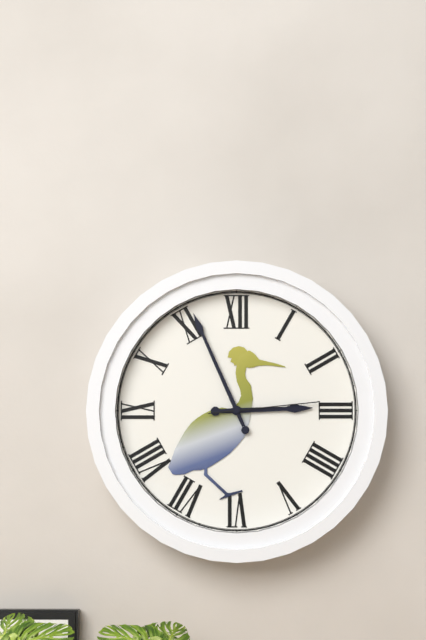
2:56:14
